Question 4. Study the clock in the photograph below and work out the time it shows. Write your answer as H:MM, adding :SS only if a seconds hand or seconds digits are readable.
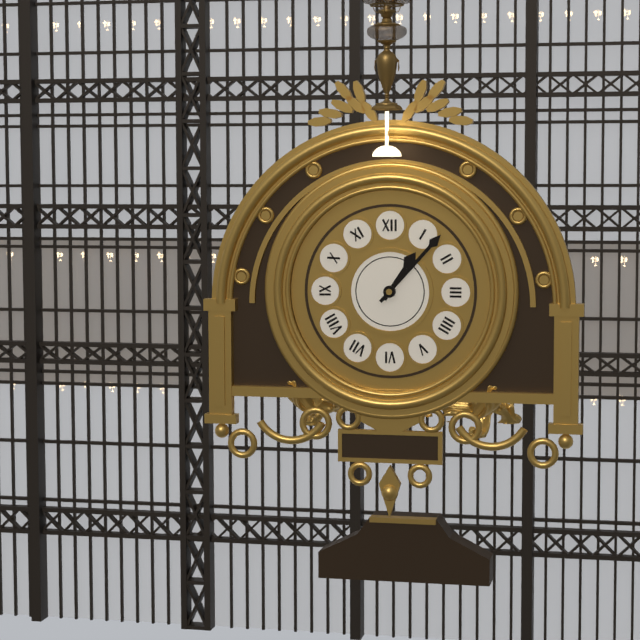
1:07
